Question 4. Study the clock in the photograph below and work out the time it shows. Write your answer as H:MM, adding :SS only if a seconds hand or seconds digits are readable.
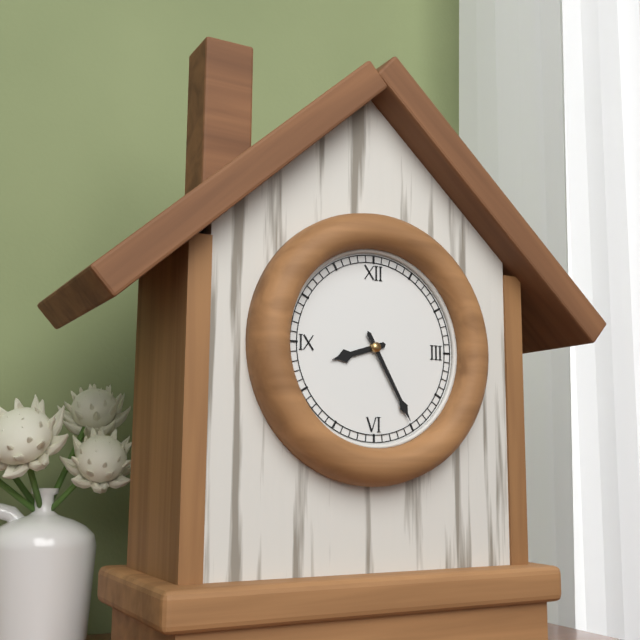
8:25
